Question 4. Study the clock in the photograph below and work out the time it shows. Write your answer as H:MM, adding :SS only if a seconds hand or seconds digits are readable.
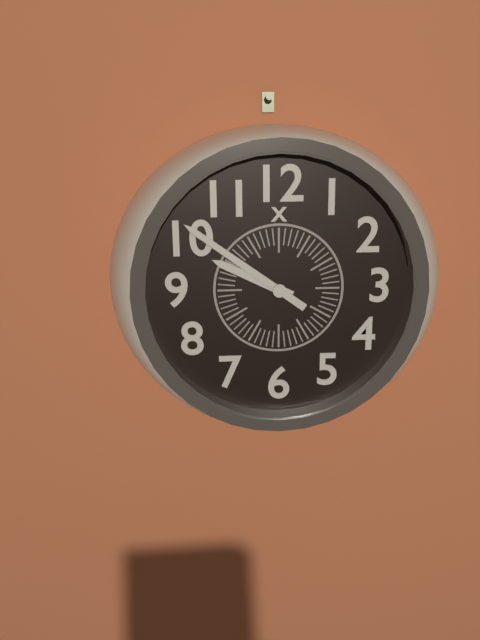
9:51
